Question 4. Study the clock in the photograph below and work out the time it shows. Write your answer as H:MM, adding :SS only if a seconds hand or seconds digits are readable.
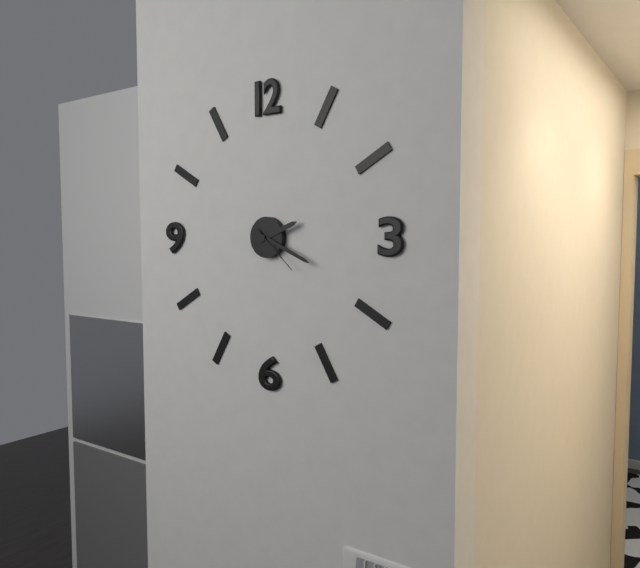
2:19
